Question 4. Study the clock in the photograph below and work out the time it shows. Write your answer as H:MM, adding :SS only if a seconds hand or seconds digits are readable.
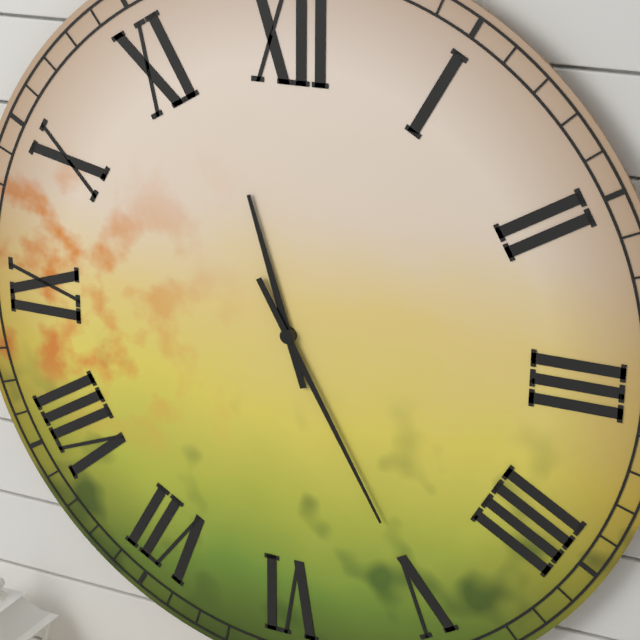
11:25
